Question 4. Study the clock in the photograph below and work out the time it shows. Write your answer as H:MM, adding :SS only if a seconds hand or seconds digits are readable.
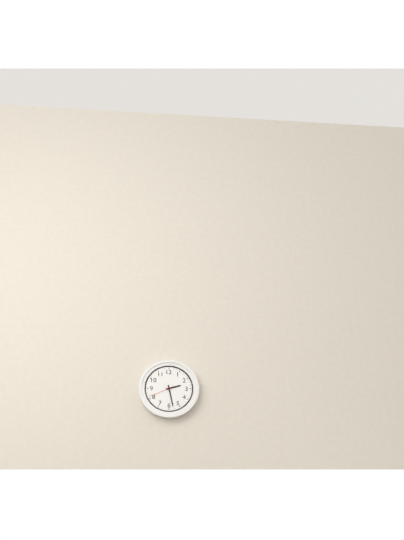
2:28
